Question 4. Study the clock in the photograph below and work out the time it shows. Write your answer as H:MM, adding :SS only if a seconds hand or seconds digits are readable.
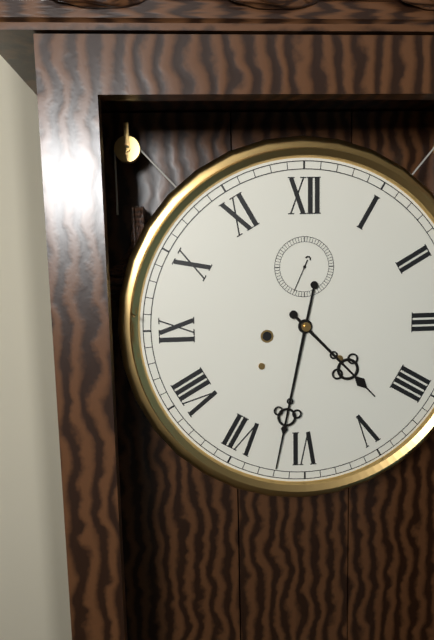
4:32
